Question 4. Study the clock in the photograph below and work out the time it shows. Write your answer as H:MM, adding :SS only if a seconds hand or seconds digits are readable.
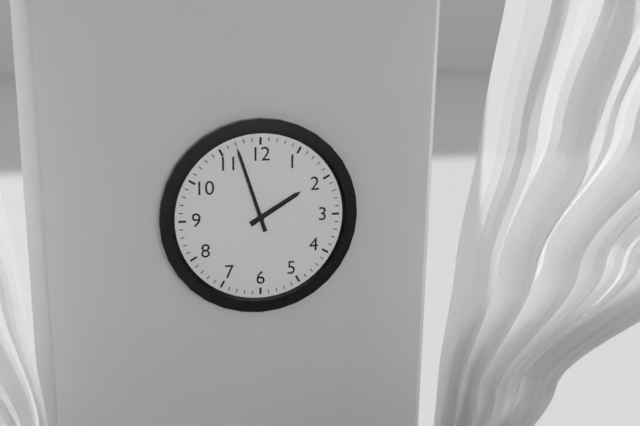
1:57
